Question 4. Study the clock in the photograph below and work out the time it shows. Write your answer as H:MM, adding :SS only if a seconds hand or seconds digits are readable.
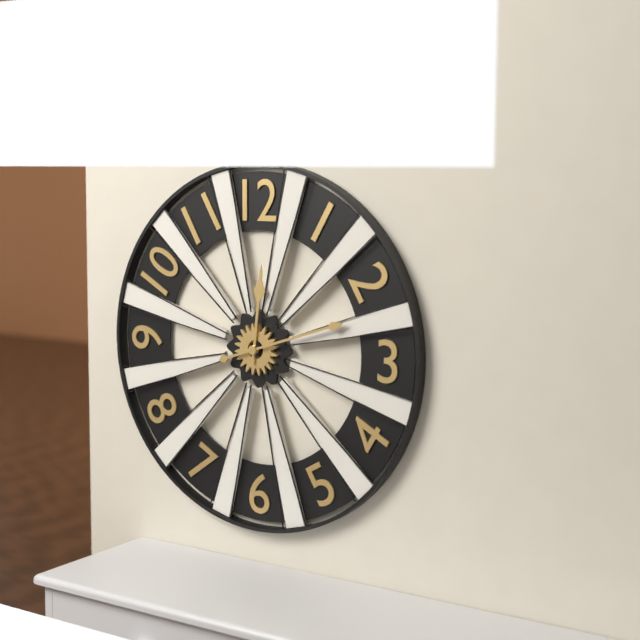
12:12
